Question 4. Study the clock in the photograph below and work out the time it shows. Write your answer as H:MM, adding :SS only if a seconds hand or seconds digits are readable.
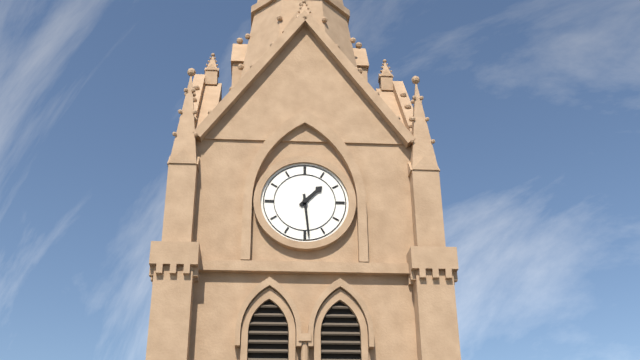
1:29
